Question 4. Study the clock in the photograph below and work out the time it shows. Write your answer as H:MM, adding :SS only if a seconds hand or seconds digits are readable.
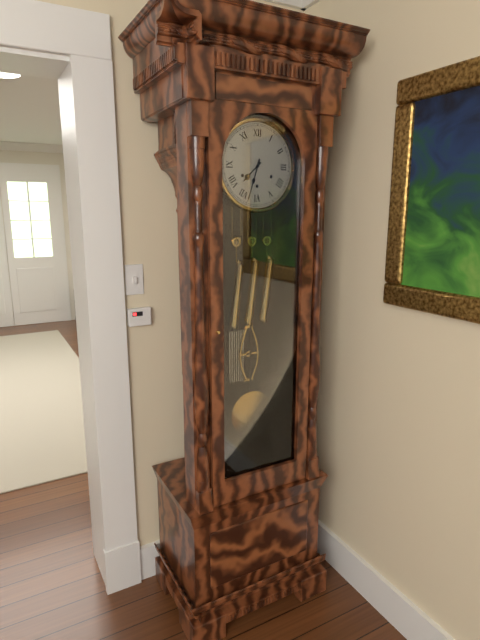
7:33
